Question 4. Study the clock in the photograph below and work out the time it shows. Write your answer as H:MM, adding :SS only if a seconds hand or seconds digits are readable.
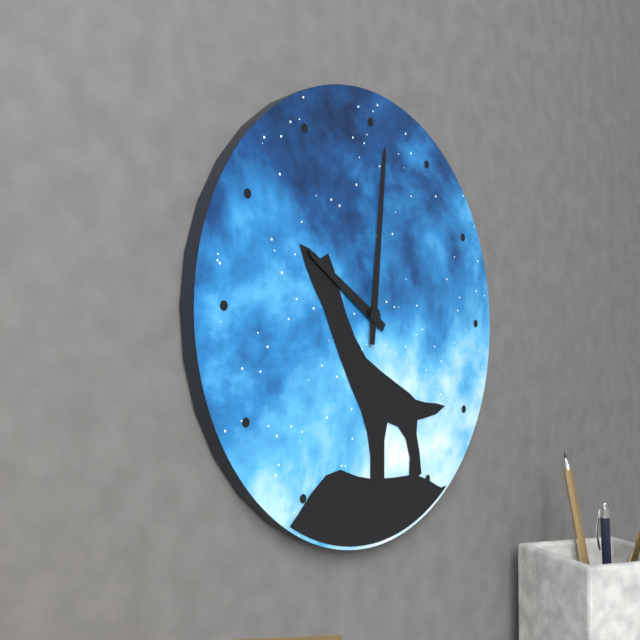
10:01
